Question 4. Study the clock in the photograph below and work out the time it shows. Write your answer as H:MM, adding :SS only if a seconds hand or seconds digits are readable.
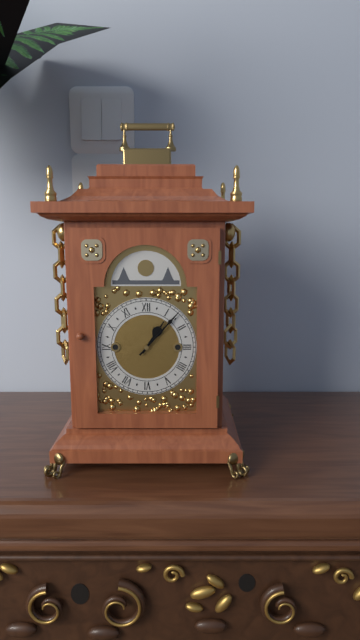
1:07
